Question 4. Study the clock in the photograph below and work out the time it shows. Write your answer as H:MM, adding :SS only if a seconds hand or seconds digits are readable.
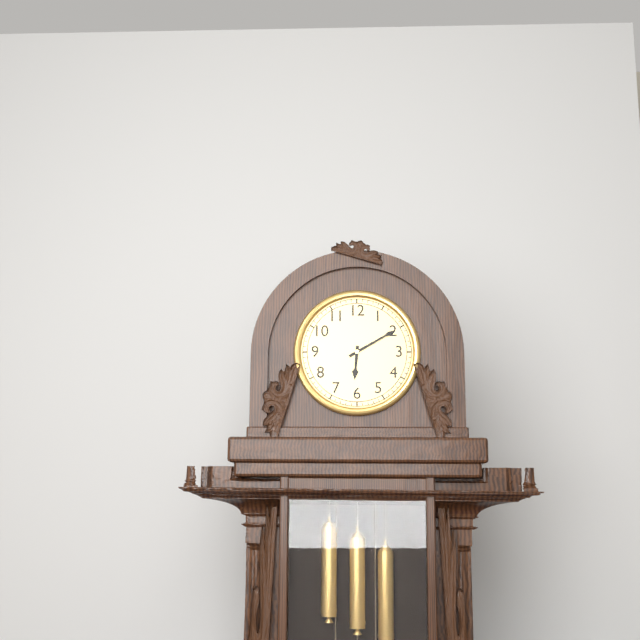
6:10
